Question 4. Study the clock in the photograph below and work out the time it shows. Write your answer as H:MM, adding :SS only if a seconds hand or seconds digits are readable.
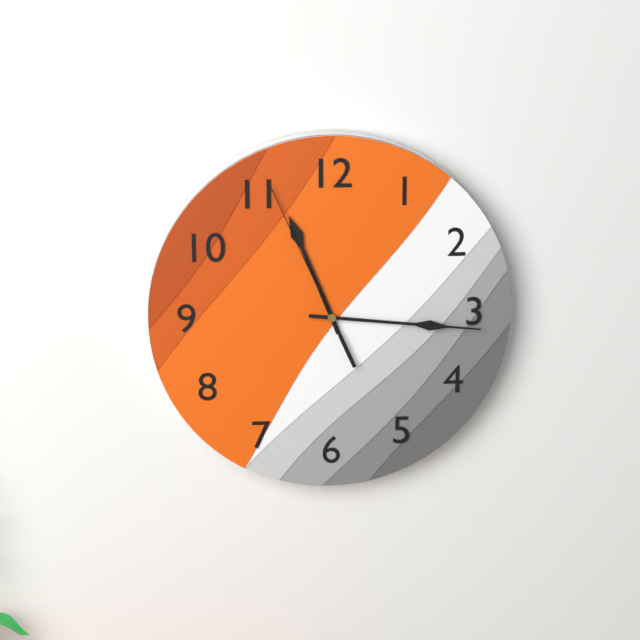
11:16:56
